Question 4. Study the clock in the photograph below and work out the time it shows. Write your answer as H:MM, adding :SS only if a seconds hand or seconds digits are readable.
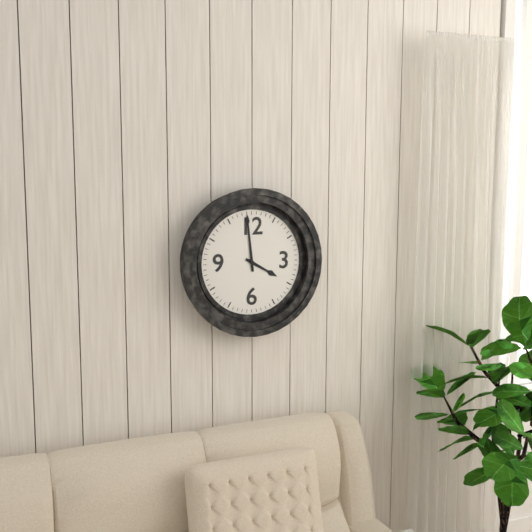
3:59
